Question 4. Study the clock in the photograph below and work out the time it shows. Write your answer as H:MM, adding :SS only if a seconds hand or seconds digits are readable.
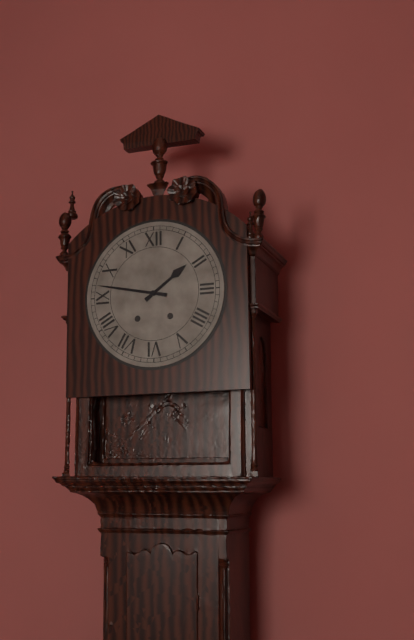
1:47
